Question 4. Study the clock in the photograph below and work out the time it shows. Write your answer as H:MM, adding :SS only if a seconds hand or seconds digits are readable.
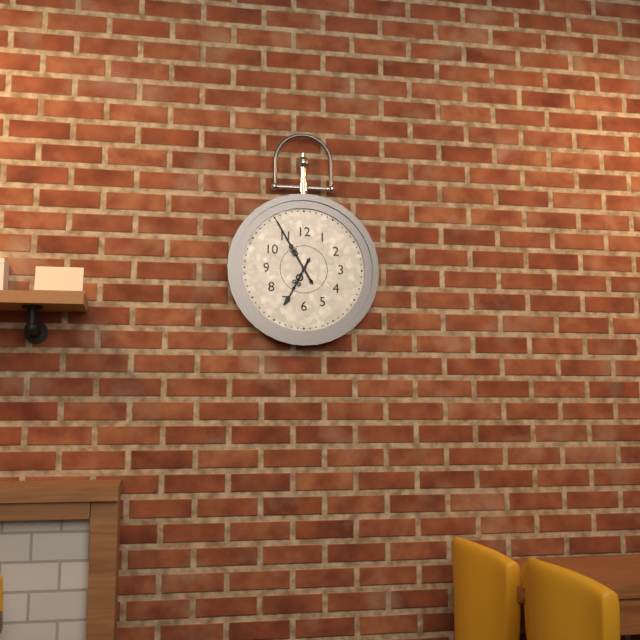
6:55
